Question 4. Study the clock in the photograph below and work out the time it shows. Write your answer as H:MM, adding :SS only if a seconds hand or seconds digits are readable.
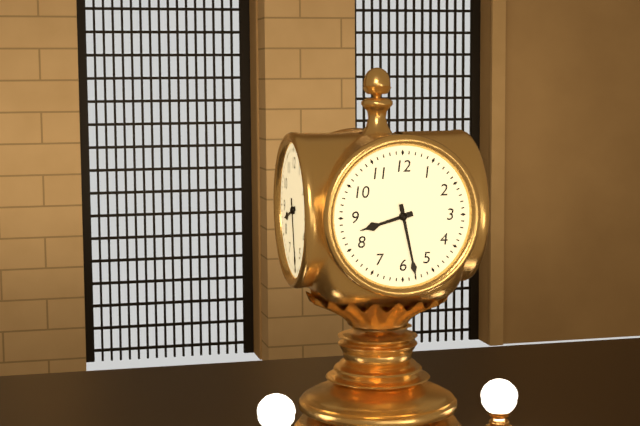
8:28
